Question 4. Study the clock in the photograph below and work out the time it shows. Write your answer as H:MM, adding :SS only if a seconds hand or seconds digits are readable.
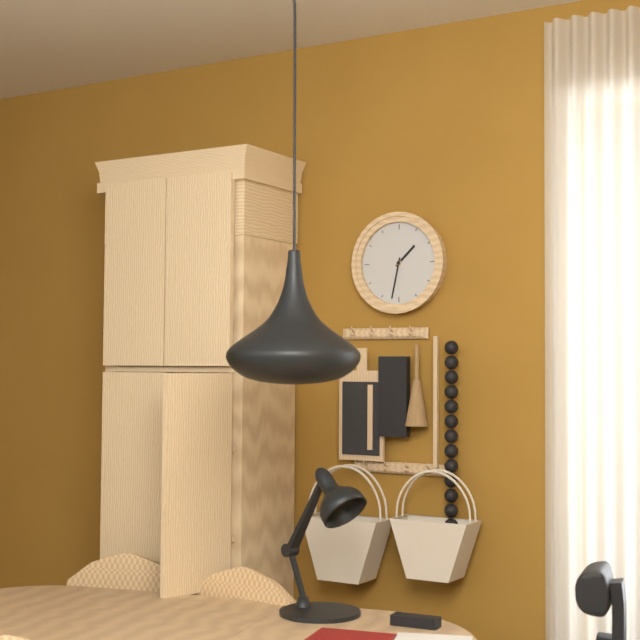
1:32
